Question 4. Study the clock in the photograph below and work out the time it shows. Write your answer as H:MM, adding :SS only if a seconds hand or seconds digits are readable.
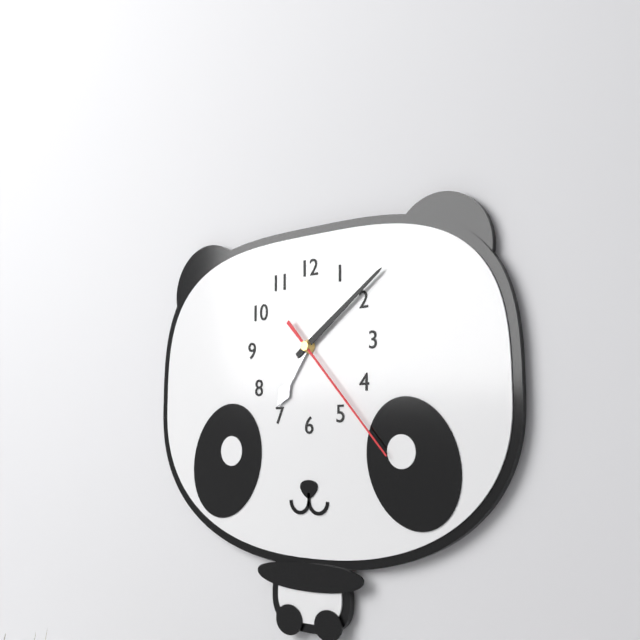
7:09:23
